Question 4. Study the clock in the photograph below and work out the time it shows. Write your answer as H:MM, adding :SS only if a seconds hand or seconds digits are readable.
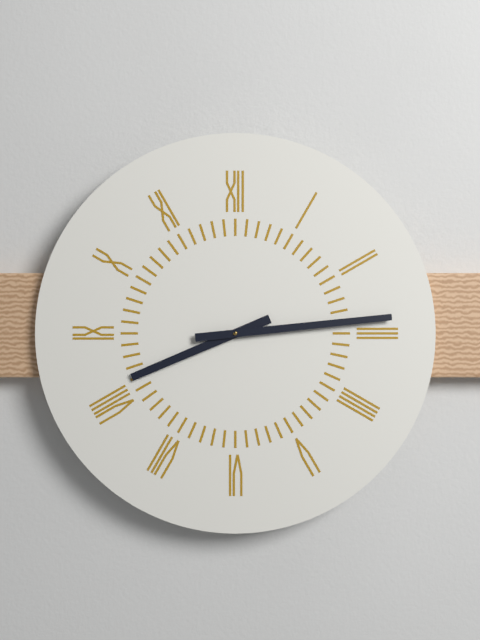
8:14
